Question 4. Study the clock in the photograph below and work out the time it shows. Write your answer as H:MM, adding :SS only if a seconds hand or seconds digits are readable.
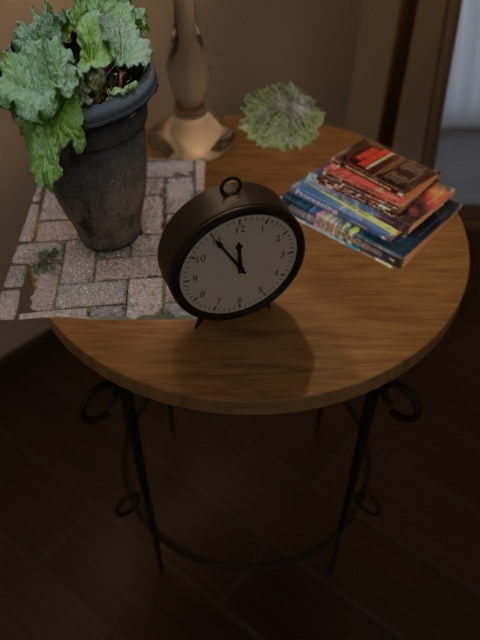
11:55
